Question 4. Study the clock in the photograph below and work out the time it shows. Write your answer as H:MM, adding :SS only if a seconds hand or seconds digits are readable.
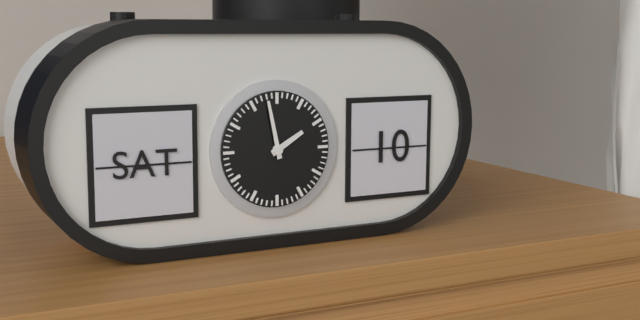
1:58
